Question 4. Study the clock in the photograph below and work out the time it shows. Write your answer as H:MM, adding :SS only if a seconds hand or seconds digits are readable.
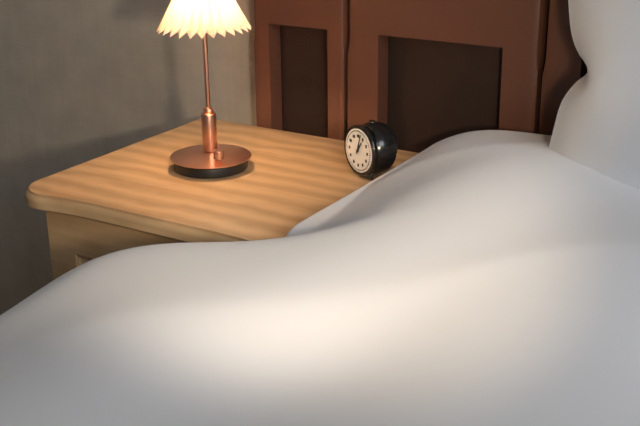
1:03
